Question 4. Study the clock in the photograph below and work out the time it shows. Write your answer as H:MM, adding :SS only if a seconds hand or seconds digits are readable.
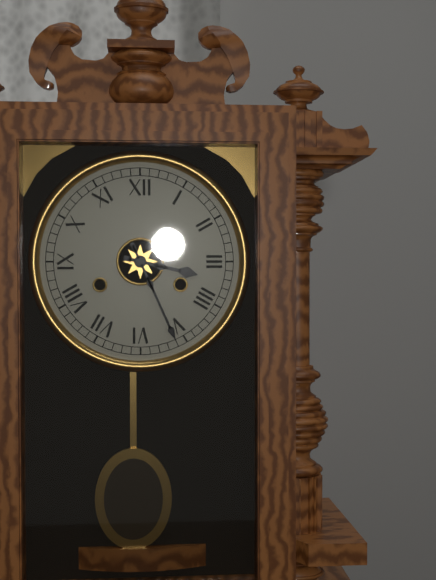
3:26
